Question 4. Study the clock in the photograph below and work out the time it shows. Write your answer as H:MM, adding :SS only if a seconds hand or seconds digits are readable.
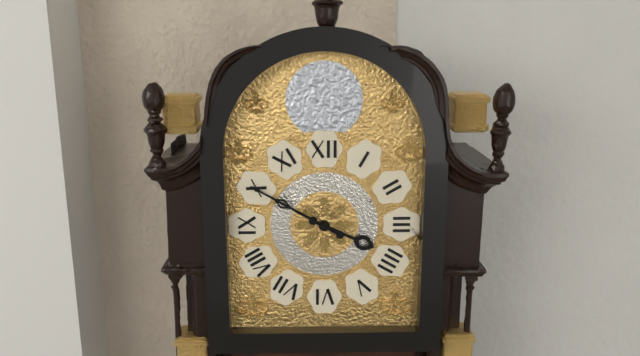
3:50
